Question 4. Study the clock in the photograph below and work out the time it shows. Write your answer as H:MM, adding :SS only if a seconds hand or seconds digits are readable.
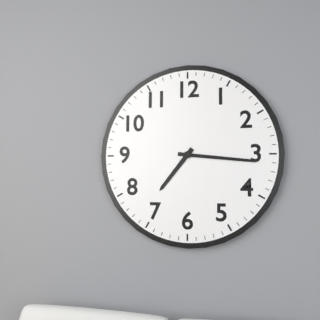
7:16
